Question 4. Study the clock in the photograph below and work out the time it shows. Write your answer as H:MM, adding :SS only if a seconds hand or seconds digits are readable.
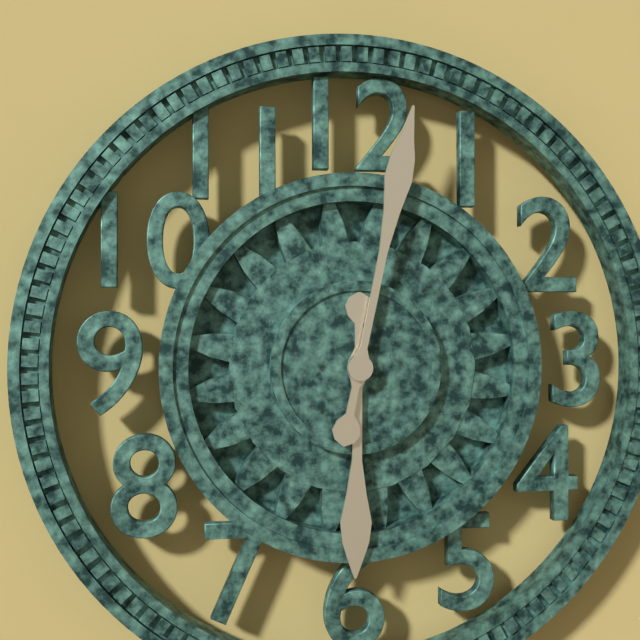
6:02
